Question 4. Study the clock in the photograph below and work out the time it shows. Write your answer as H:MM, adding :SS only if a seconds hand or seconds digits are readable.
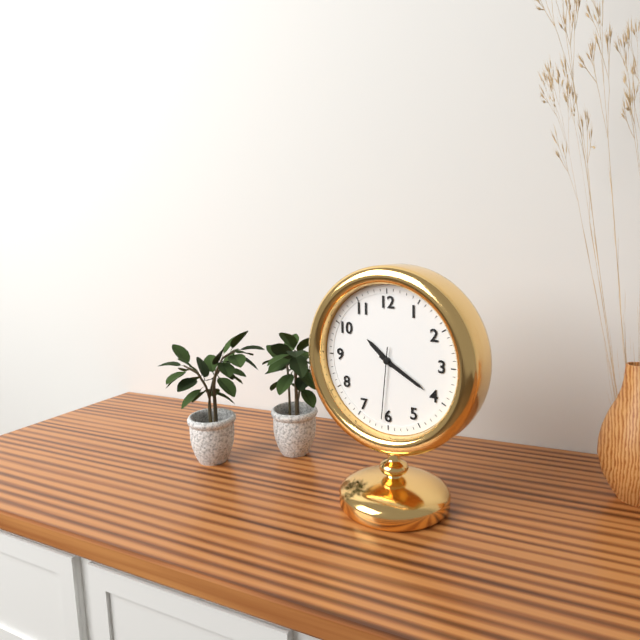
10:20:31
